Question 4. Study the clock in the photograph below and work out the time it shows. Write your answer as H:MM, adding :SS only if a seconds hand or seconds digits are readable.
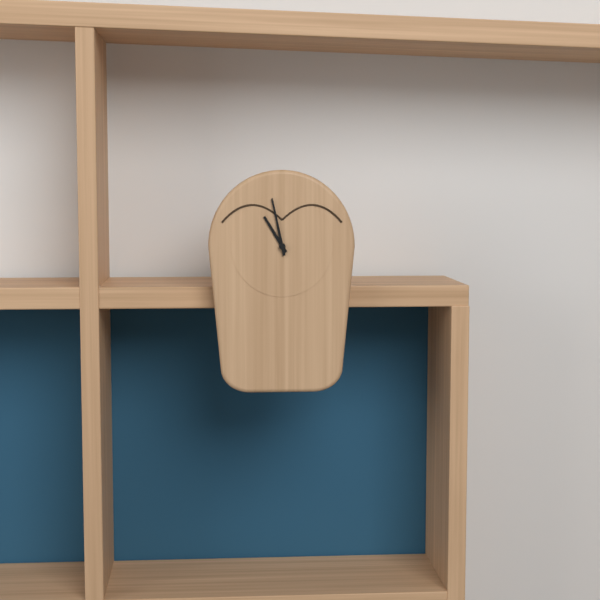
10:58
